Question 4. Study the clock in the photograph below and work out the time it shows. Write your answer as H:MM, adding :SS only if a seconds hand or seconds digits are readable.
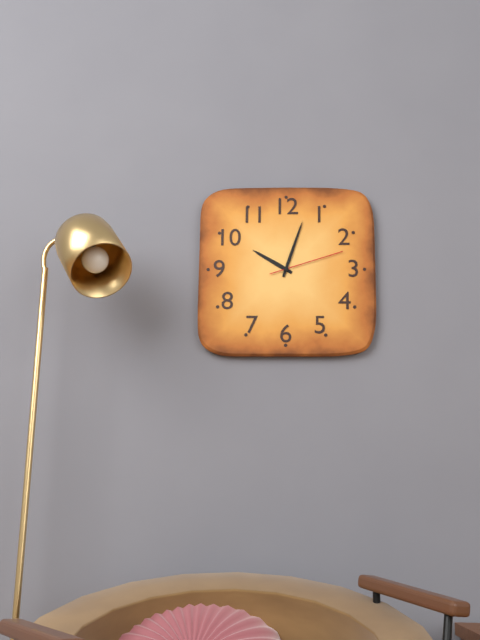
10:03:12
